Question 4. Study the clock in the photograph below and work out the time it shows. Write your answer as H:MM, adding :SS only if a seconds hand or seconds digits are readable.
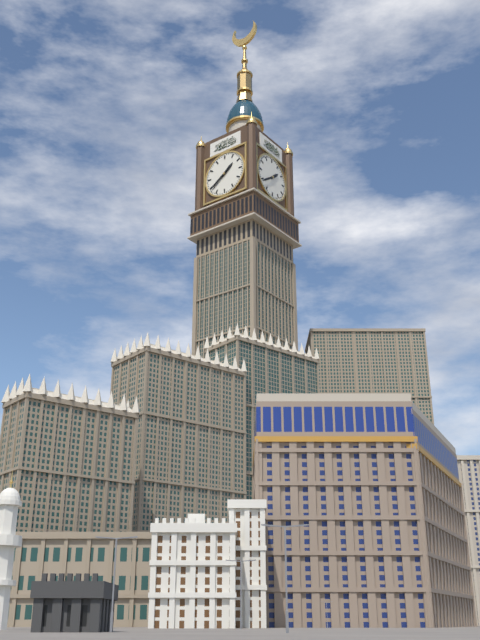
1:39
